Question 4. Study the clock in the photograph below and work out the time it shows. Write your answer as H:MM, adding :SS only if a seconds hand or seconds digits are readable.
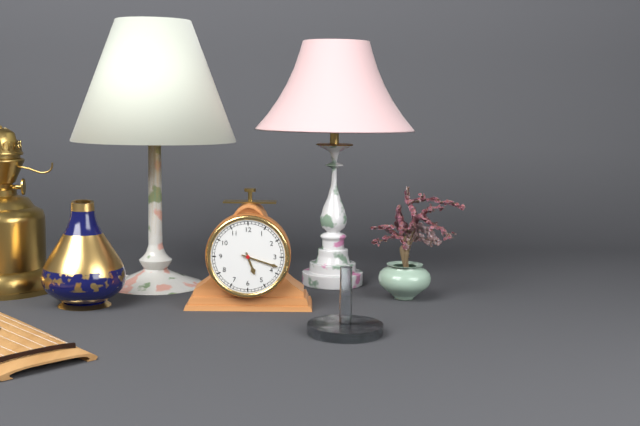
5:18
